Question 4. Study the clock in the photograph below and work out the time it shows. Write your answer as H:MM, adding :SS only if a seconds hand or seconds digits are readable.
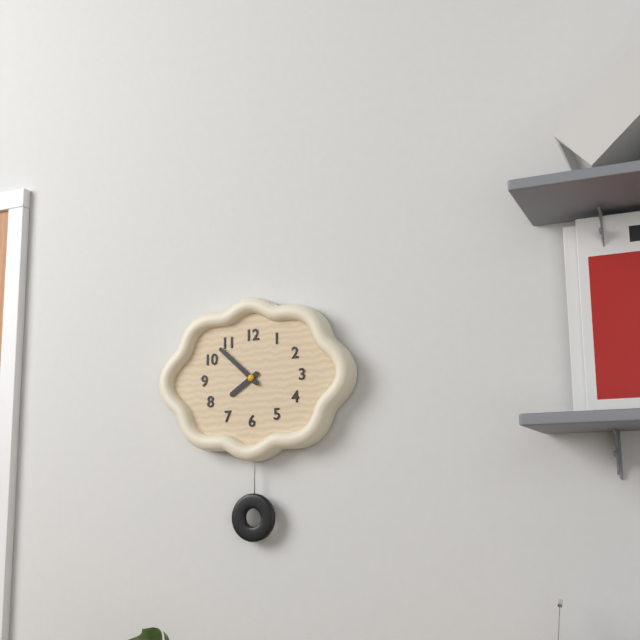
7:52
